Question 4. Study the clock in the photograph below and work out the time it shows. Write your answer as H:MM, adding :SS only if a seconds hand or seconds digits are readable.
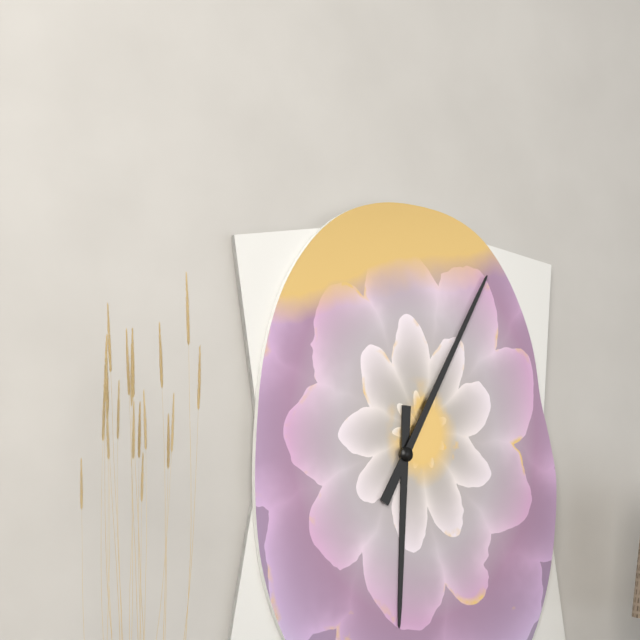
6:05
